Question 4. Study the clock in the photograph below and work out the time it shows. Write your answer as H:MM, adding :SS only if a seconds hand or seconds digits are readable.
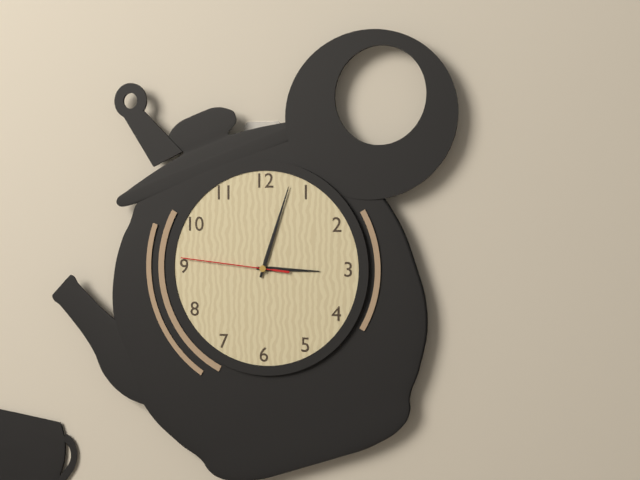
3:03:46
